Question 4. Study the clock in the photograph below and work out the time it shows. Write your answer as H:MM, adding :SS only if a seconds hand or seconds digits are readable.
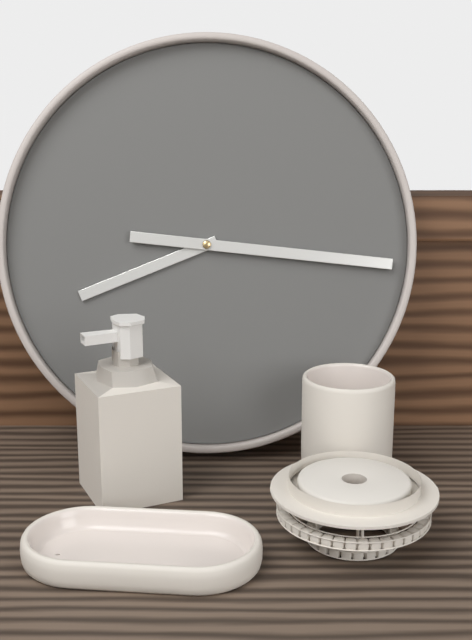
8:16
